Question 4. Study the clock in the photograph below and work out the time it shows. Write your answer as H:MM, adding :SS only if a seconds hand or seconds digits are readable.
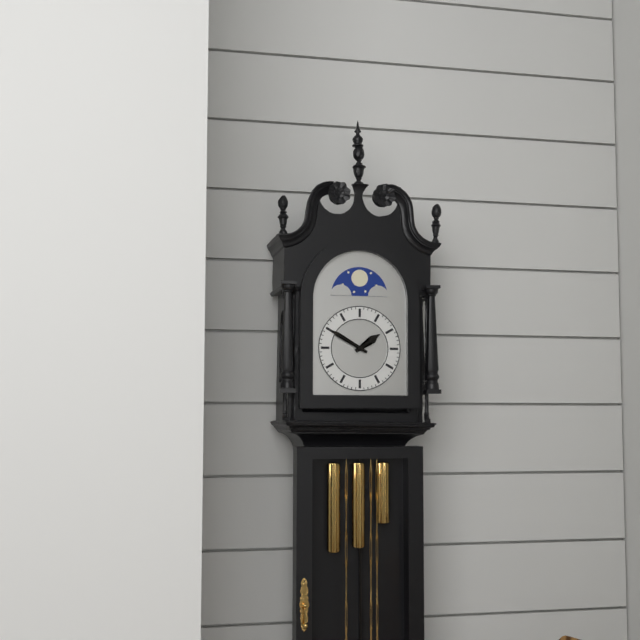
1:50
